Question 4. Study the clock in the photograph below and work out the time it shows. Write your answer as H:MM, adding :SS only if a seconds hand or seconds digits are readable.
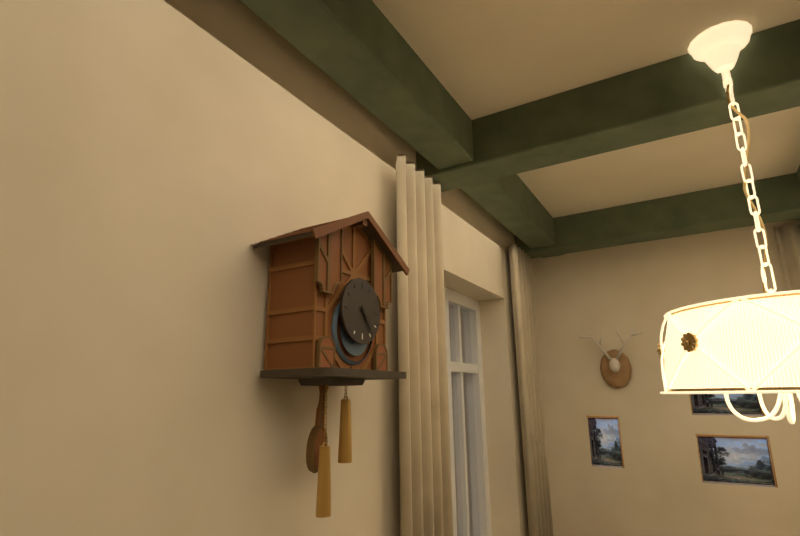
4:24
